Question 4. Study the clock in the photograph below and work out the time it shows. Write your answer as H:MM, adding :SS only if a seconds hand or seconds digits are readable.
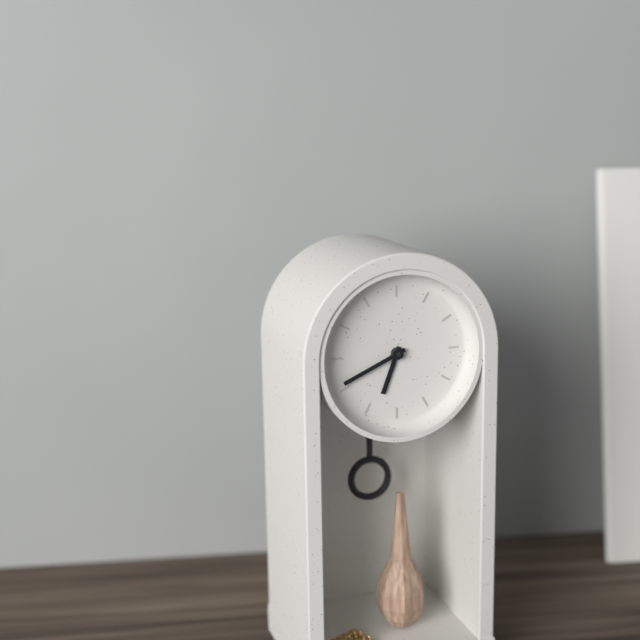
6:41
